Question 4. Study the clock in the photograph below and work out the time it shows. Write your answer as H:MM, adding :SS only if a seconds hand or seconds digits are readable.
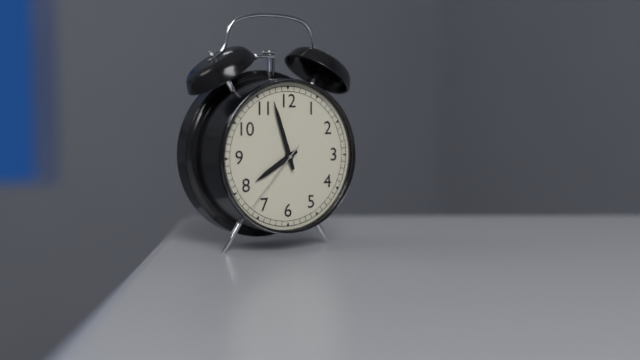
7:57:37
